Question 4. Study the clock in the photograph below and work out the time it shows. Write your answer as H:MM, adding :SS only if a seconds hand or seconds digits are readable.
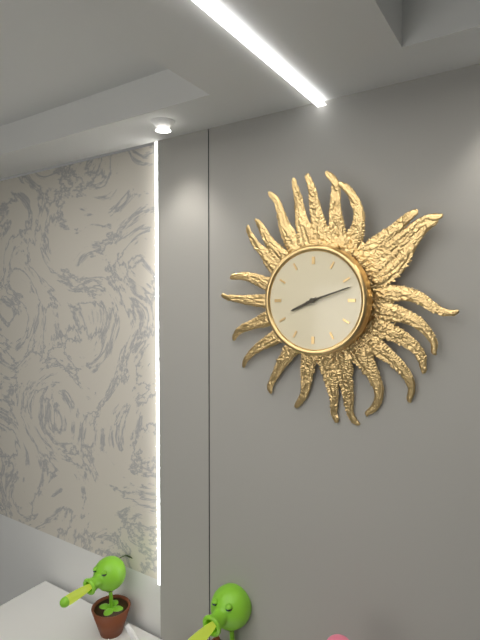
8:12
